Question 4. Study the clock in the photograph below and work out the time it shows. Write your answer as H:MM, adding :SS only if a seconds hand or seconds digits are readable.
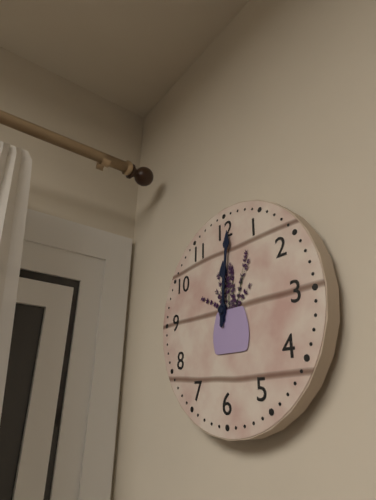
12:01
